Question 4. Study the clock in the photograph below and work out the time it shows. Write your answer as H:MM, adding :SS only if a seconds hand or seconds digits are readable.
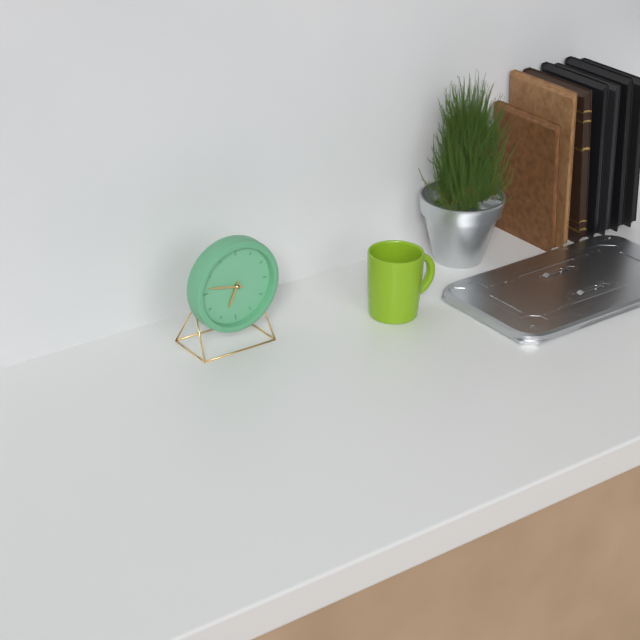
6:47
